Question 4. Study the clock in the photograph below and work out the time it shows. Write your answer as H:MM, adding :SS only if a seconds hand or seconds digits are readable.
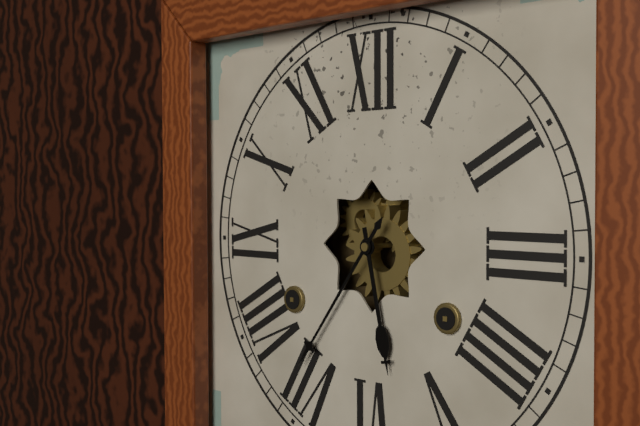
5:36
